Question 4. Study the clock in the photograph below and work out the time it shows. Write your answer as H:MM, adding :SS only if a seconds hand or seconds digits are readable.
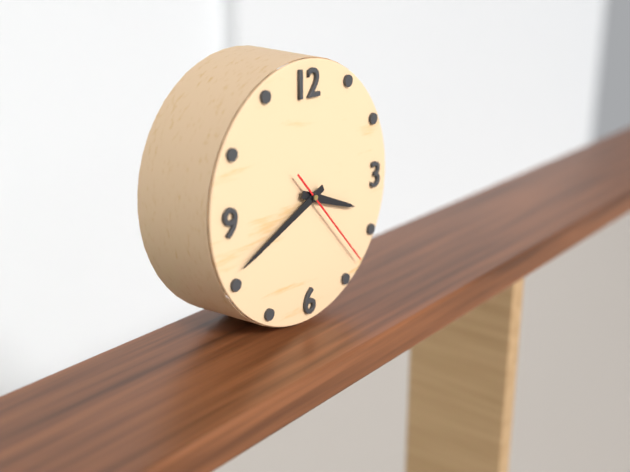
3:41:23
